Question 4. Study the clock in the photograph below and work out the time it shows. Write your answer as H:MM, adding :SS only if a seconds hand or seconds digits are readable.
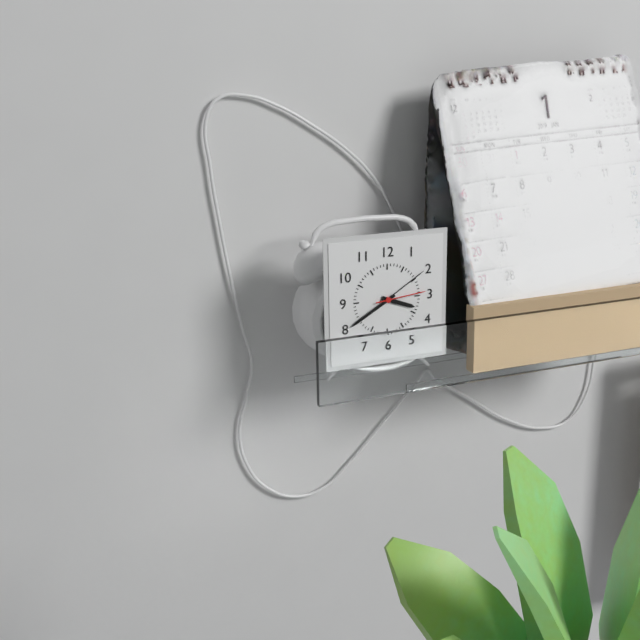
3:40:14
